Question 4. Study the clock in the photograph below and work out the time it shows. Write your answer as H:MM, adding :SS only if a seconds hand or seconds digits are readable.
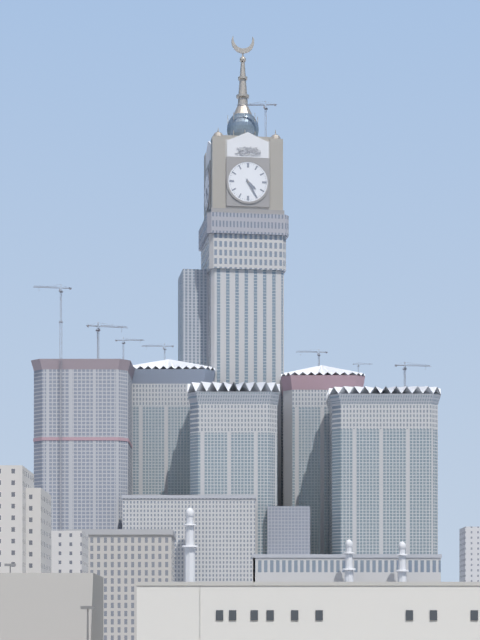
4:25
